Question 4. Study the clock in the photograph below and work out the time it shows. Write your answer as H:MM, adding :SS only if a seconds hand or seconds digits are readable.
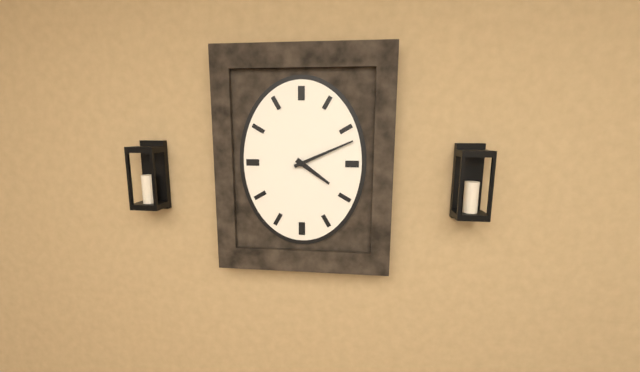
4:11
